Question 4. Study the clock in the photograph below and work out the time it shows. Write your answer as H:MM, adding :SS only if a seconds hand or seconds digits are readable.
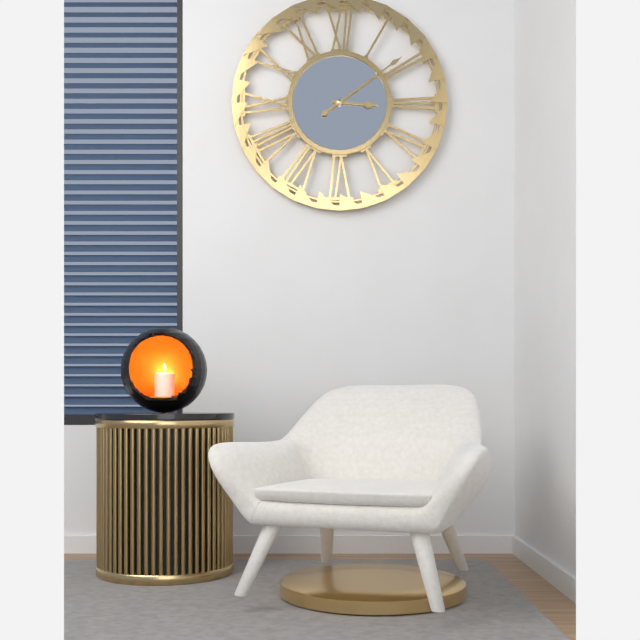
3:09
